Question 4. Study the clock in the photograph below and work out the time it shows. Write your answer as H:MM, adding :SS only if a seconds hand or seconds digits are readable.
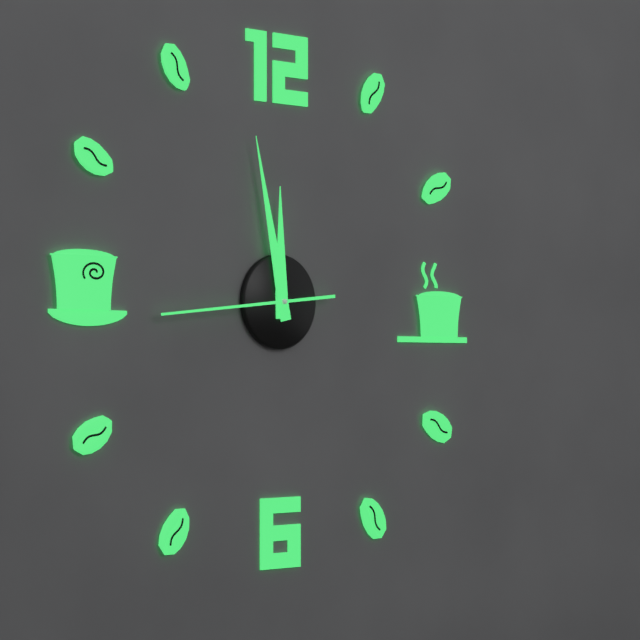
11:58:44
